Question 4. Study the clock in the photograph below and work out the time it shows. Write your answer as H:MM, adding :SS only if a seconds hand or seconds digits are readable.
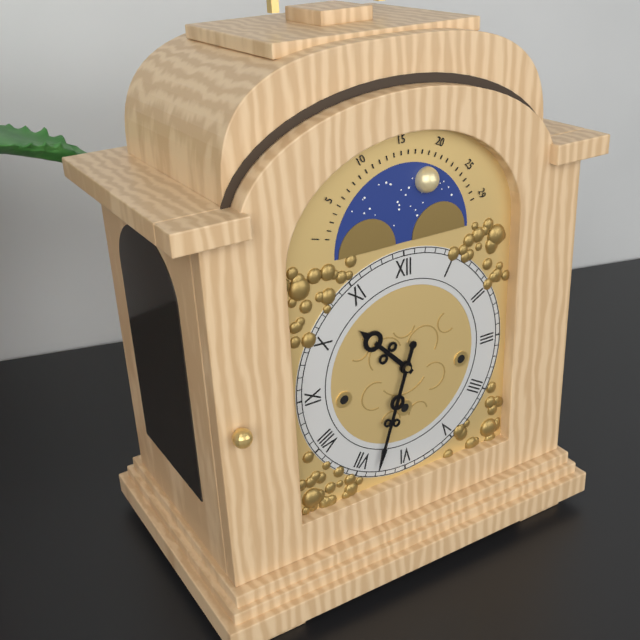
10:33
